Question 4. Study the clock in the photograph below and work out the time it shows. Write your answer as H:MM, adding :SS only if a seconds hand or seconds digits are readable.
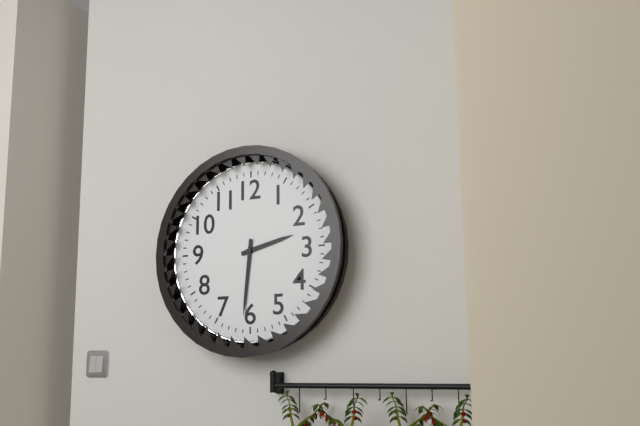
2:31
